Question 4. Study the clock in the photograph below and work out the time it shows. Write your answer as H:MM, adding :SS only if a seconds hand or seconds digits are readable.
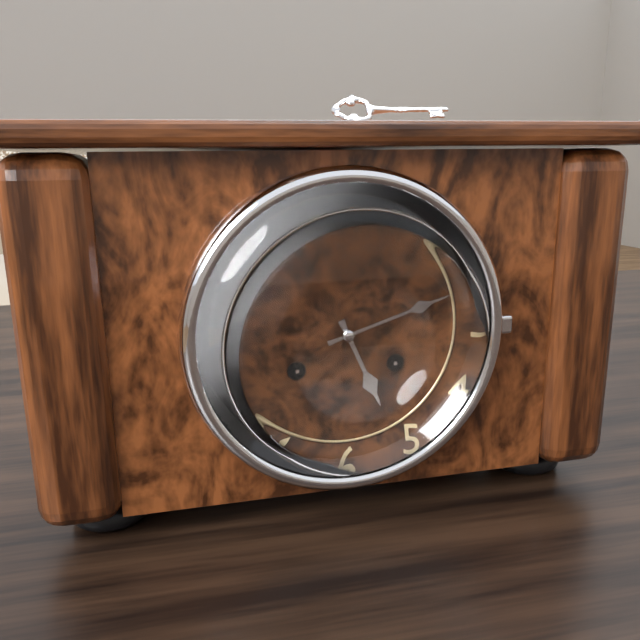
5:12
